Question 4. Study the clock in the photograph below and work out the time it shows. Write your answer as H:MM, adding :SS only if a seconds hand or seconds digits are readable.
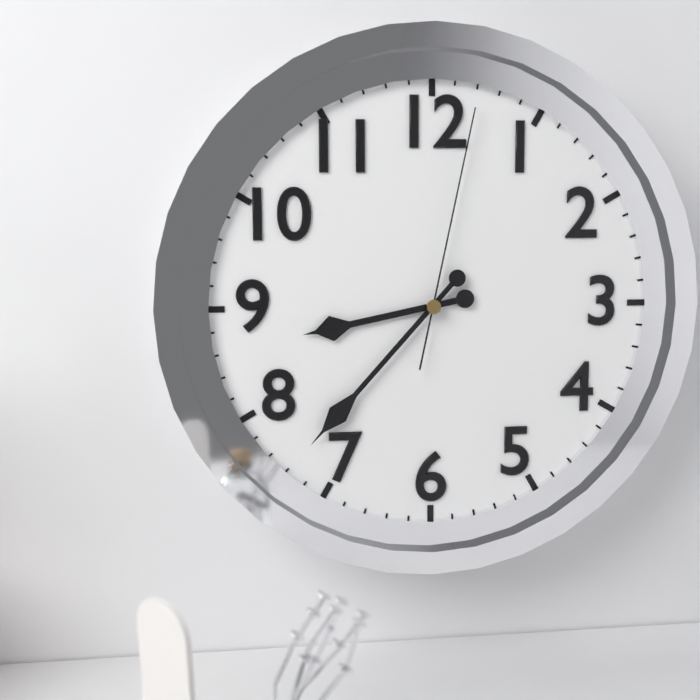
8:37:02
